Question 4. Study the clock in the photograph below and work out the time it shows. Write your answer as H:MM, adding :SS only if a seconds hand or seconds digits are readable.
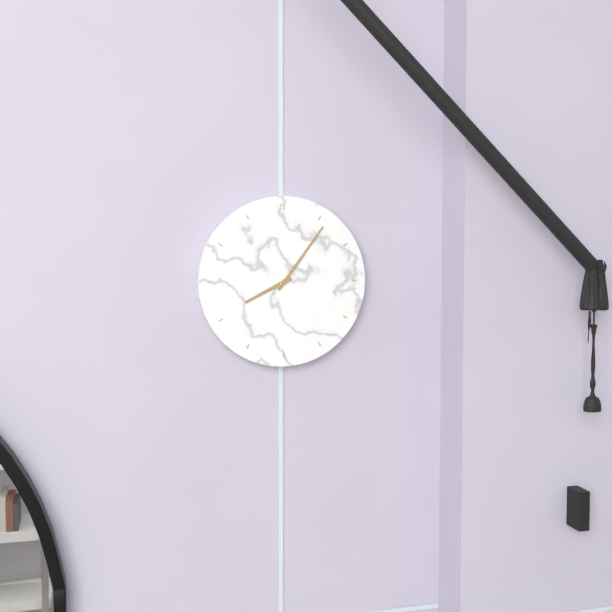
8:06
